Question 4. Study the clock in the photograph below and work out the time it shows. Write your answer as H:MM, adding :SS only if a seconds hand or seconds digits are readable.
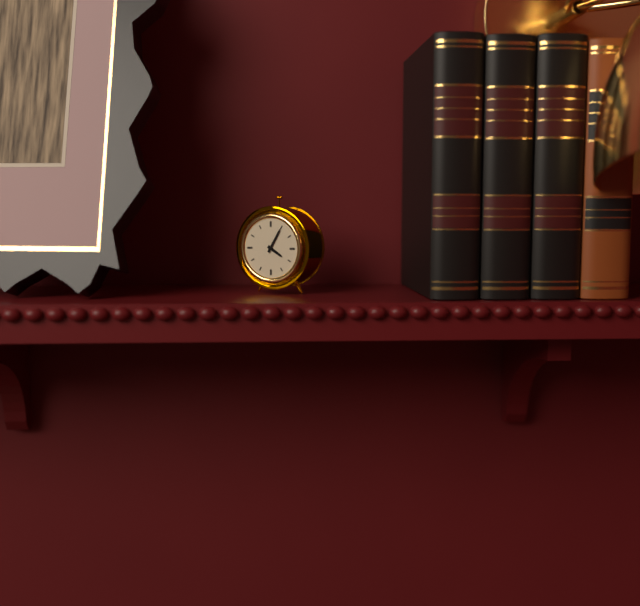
4:05
